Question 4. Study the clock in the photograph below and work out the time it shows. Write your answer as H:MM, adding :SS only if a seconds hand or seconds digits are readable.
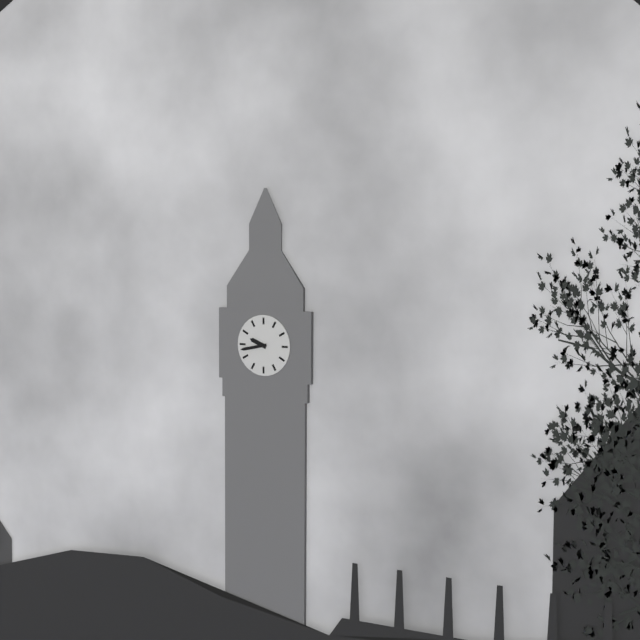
9:43
